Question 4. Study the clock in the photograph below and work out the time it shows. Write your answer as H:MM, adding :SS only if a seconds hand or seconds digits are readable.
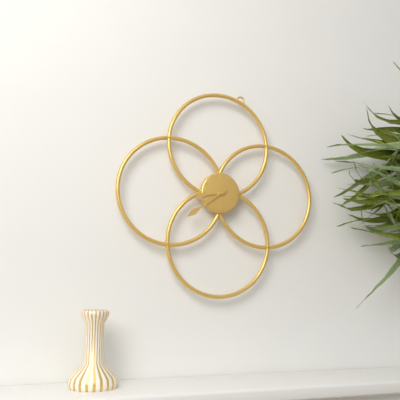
8:39
